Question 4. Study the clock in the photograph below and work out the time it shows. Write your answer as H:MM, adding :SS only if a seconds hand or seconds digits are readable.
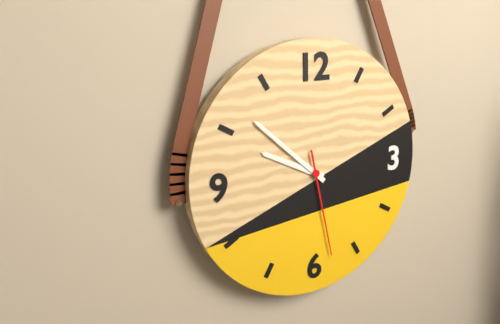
9:52:28
